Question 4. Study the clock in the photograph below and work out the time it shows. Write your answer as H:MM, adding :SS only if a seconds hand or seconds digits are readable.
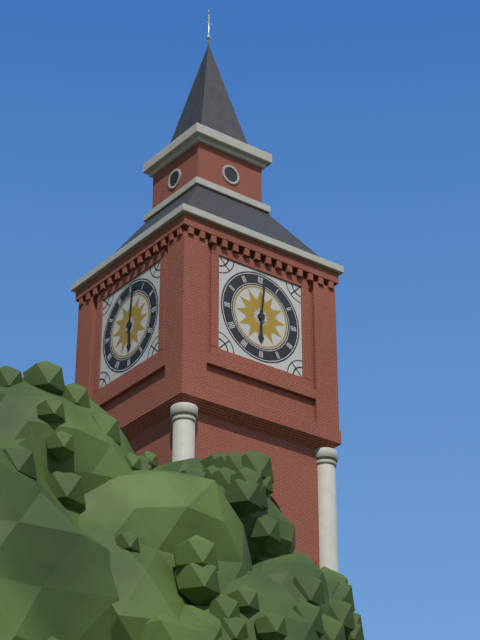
6:01
